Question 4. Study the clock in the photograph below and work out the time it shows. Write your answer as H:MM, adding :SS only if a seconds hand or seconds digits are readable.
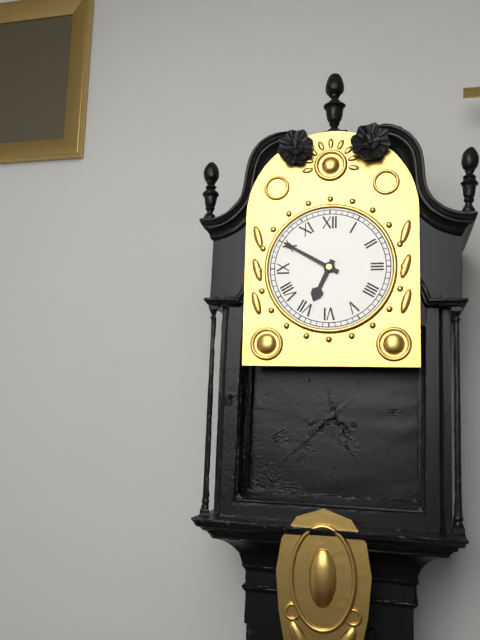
6:50
